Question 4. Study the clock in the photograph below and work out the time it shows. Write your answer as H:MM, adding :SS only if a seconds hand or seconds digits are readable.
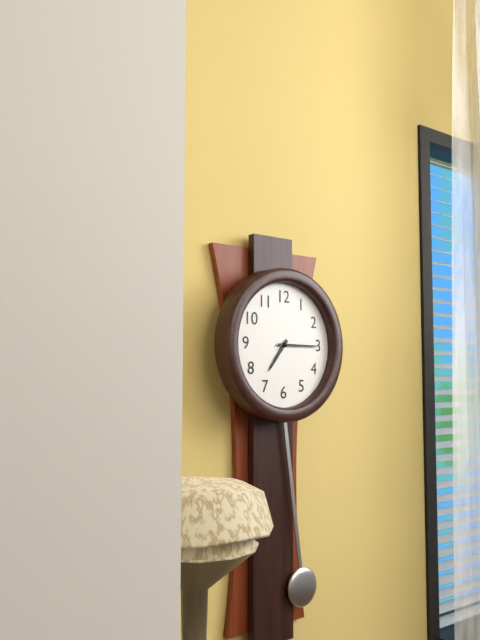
7:15
